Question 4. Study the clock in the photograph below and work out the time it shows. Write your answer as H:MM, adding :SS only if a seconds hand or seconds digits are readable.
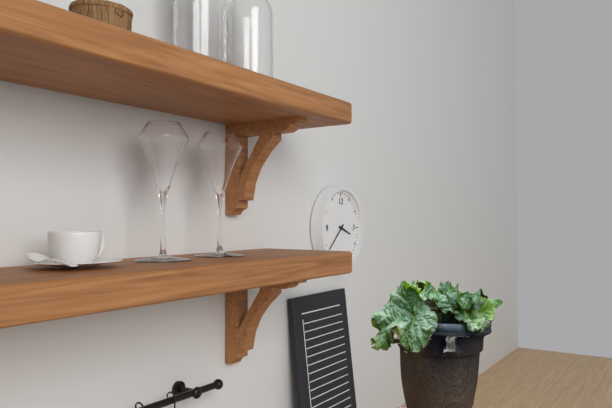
3:38
